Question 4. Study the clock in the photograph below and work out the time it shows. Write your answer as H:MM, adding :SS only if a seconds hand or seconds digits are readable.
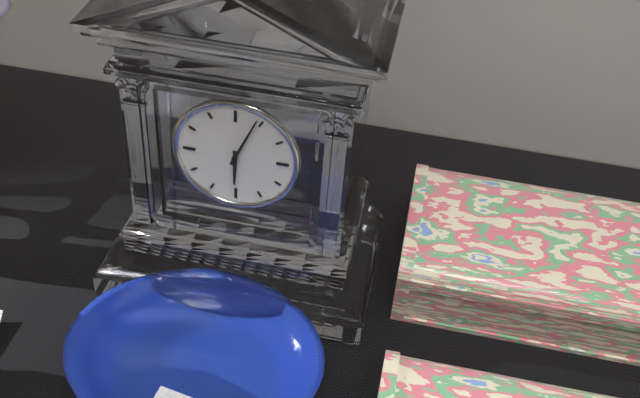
6:04
